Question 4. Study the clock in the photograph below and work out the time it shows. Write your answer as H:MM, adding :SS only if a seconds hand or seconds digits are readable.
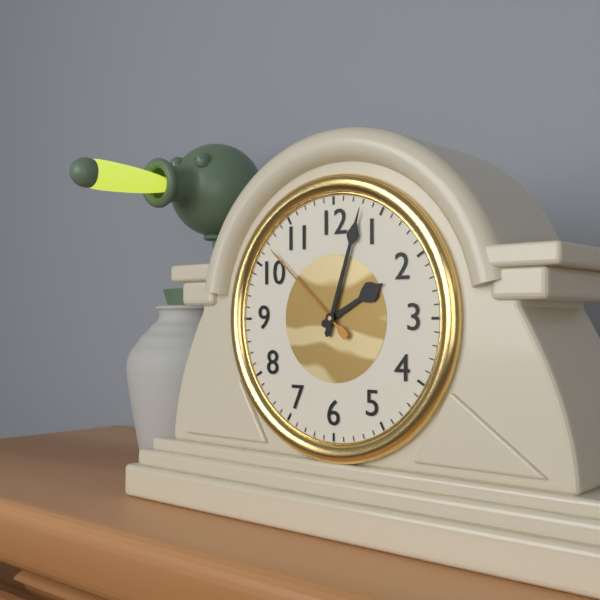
2:03:52
